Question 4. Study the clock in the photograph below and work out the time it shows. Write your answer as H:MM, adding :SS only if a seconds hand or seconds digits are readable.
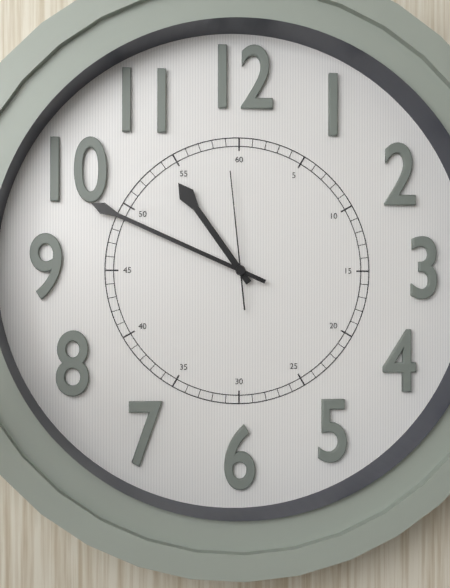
10:49:59
